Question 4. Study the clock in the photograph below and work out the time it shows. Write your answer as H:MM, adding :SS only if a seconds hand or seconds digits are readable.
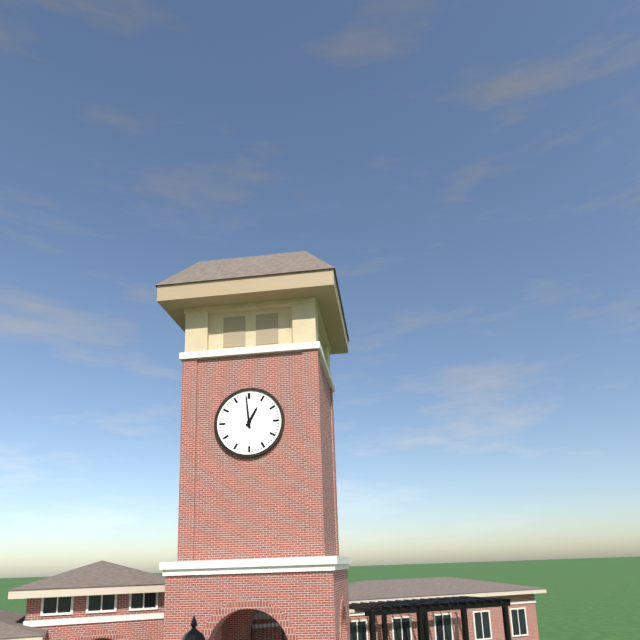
12:59
